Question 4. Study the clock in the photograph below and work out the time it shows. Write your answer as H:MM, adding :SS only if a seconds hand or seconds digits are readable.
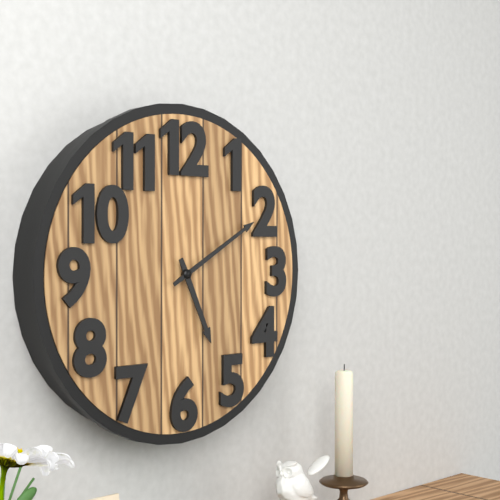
5:10
